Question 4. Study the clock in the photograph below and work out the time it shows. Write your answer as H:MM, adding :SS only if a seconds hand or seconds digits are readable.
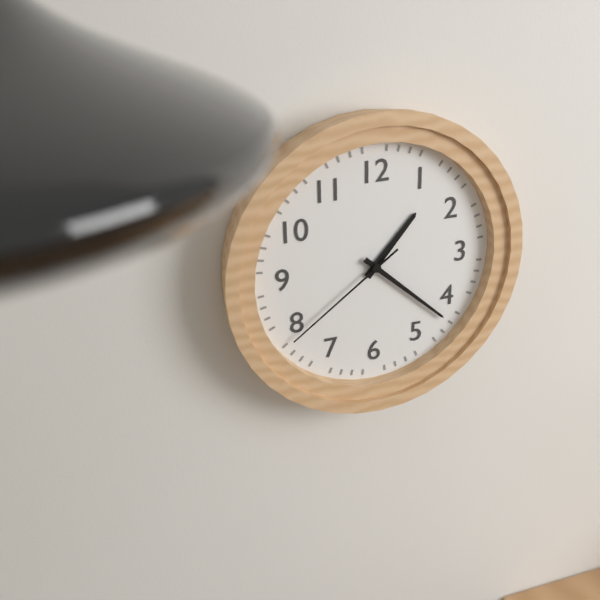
1:22:39
